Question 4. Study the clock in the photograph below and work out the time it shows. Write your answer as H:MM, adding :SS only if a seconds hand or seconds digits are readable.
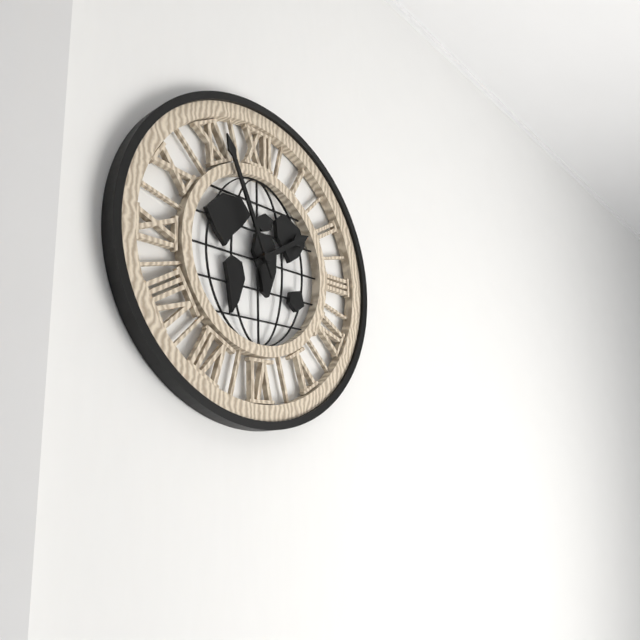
1:56
